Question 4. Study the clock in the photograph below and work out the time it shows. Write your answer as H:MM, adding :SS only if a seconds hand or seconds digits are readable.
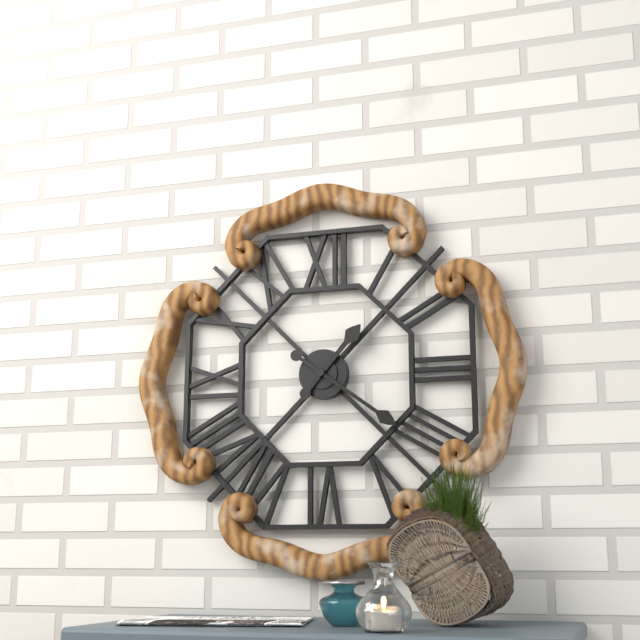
1:21
